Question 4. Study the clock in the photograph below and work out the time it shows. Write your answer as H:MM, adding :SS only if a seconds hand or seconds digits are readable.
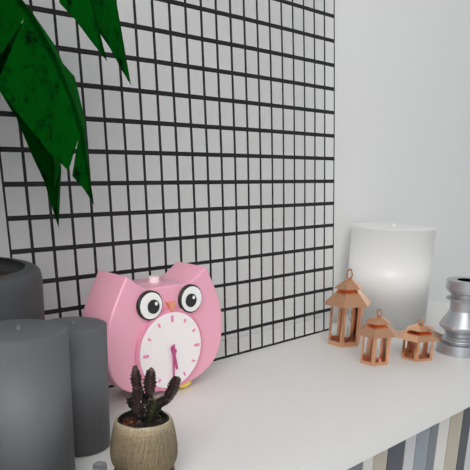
5:30
